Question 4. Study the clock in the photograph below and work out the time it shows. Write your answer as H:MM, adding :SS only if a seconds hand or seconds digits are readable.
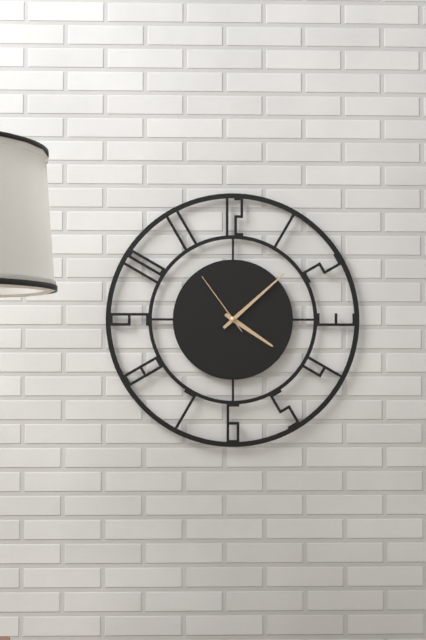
4:08:54
